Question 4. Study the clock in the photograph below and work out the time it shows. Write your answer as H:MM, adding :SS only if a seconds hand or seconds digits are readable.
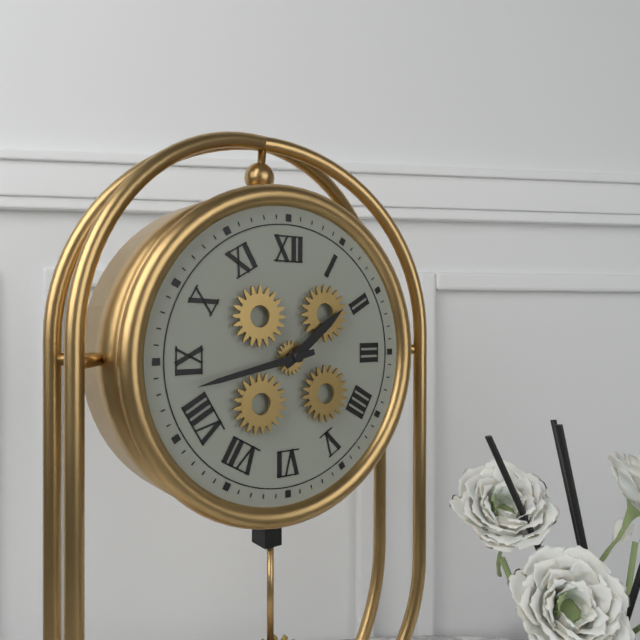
1:43
